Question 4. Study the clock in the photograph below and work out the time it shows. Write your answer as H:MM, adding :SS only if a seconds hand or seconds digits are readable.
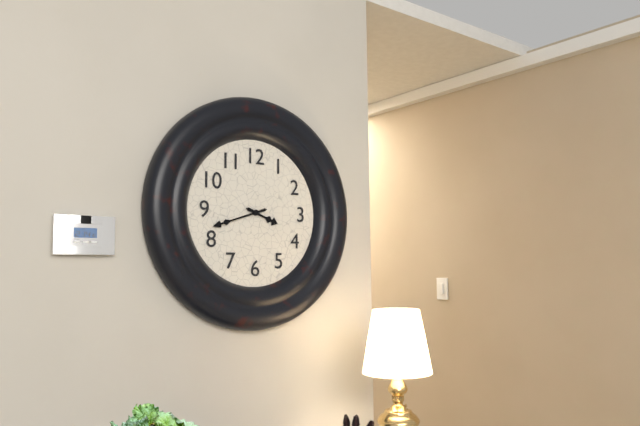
3:42
